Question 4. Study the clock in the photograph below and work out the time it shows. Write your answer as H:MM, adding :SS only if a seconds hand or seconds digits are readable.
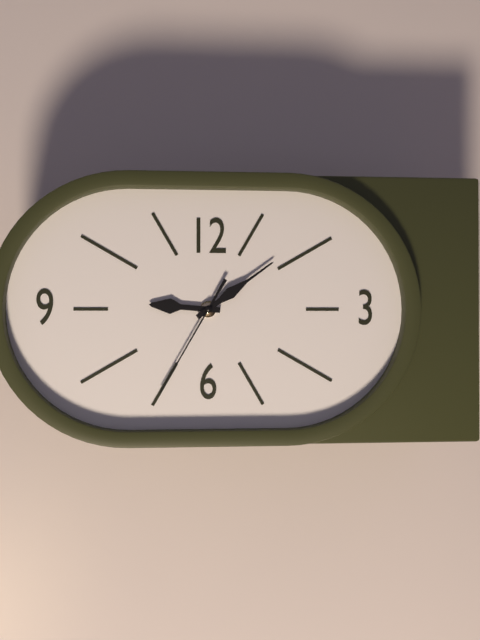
9:09:35
